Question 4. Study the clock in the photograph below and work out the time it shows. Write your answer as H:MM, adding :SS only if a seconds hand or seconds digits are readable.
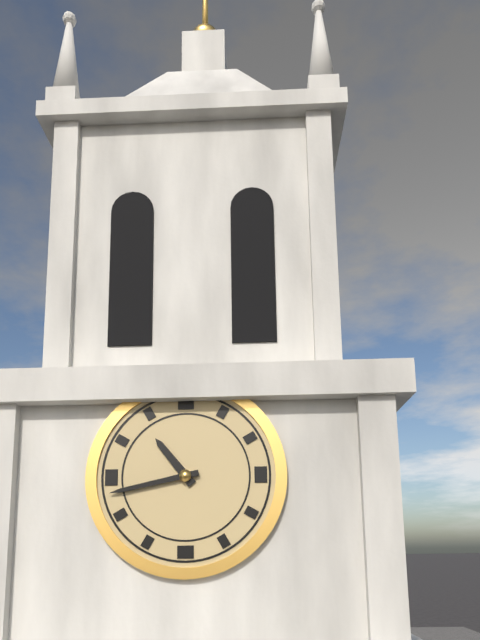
10:43
